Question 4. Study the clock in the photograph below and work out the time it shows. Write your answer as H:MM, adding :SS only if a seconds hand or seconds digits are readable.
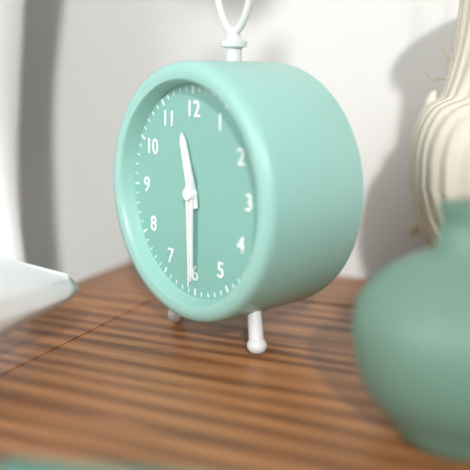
11:30:30
